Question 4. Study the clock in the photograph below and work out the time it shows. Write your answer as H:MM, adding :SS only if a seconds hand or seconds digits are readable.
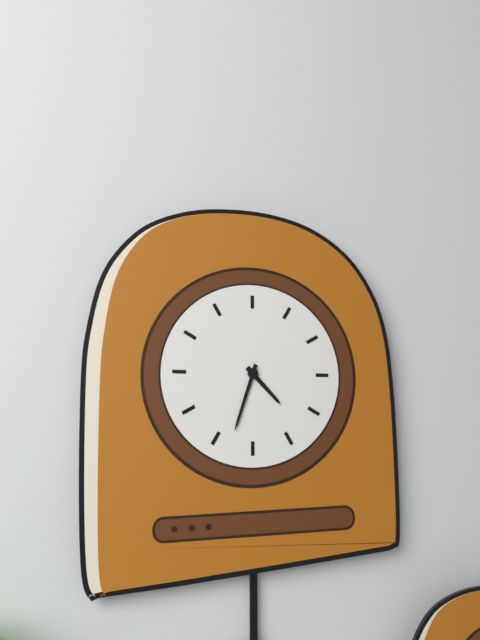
4:33
